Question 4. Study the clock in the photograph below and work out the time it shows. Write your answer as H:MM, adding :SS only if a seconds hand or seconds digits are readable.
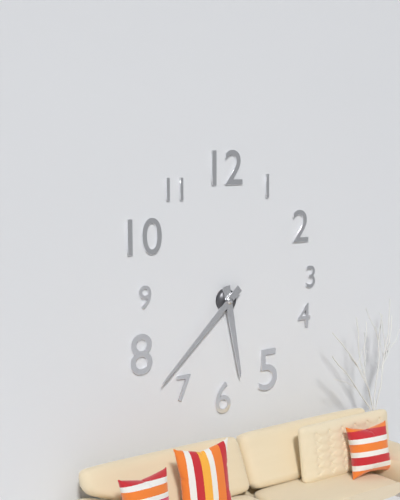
5:38
